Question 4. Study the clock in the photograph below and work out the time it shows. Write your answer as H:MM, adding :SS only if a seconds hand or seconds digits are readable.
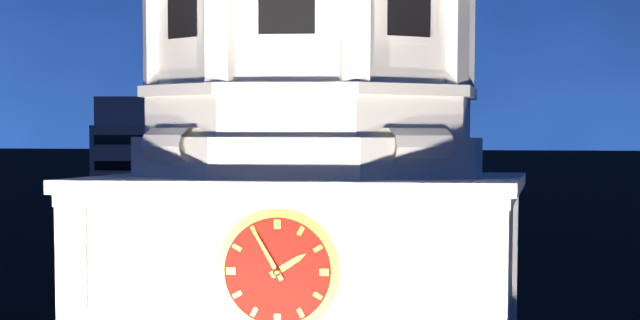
1:55
